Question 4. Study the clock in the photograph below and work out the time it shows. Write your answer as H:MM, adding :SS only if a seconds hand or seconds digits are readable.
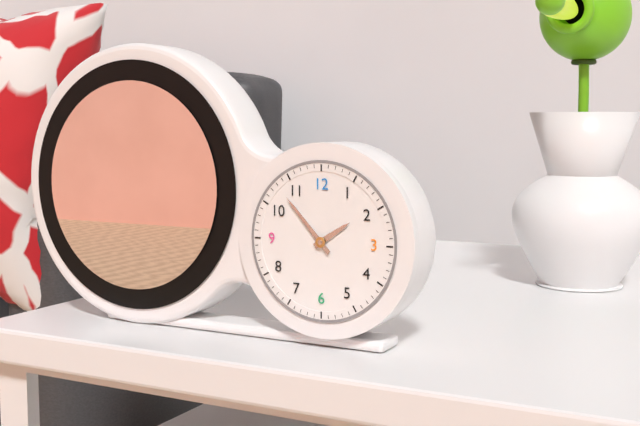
1:53
